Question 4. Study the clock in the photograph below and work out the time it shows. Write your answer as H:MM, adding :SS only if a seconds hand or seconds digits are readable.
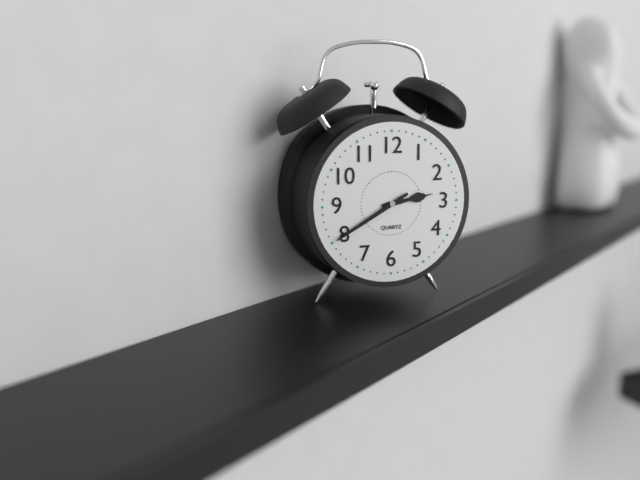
2:40
